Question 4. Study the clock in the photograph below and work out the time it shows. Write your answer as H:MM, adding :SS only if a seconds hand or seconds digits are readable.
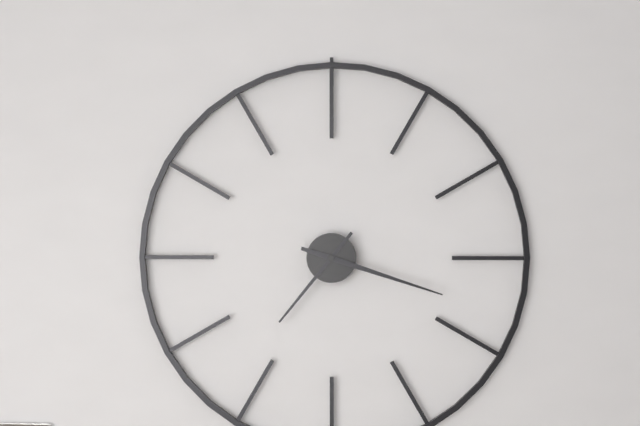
7:18
